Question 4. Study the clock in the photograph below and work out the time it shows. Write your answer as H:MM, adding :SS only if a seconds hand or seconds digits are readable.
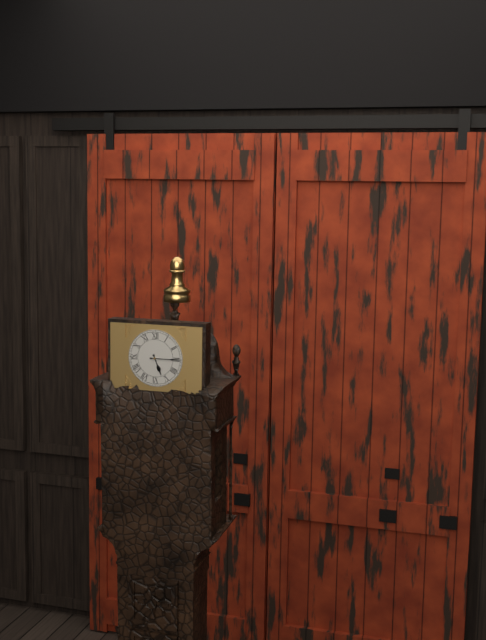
5:15
